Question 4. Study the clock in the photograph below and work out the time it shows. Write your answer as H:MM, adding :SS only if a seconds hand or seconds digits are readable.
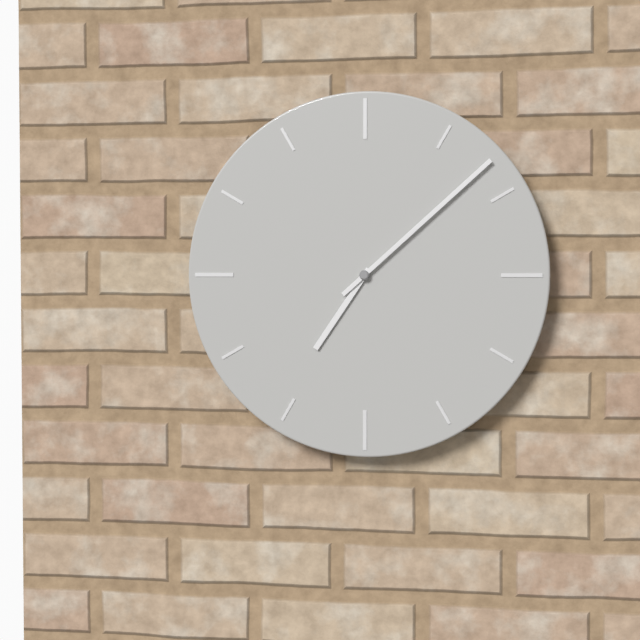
7:08
